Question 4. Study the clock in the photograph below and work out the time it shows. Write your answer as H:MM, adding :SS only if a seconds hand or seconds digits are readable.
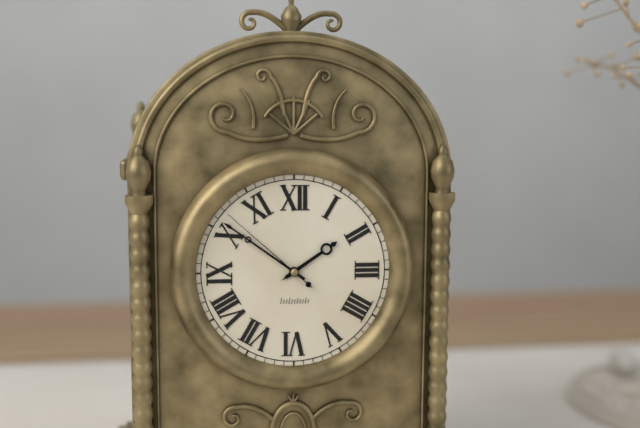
1:51:52
